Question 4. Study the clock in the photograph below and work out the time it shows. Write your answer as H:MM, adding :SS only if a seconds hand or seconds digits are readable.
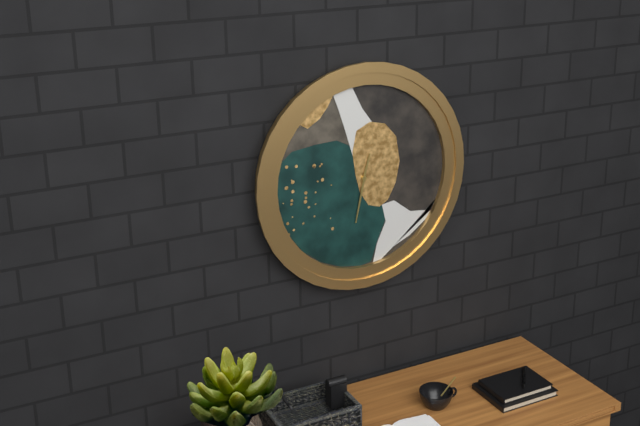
12:32
